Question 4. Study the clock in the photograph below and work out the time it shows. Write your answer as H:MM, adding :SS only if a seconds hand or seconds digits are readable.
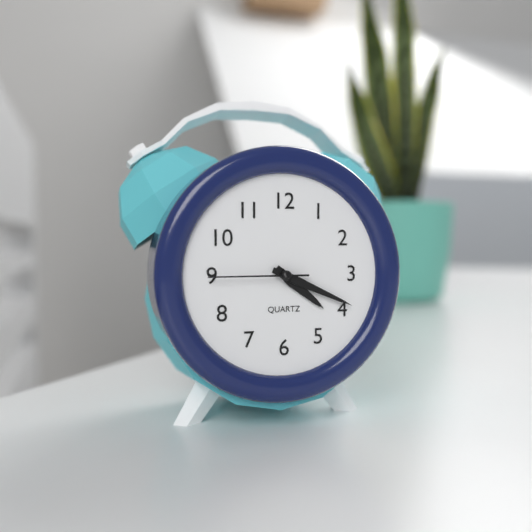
4:19:45
